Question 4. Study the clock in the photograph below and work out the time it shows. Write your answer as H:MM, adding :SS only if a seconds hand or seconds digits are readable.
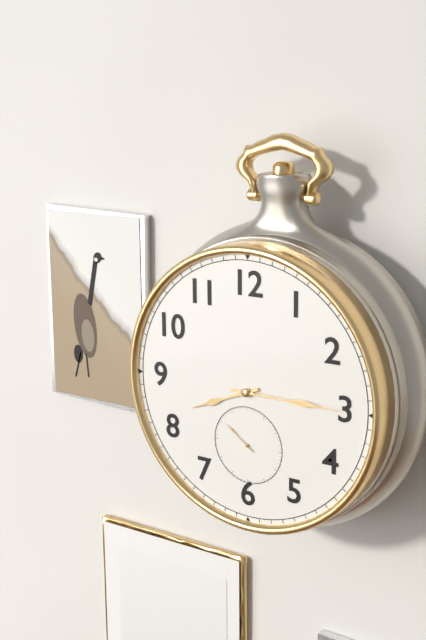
8:15
